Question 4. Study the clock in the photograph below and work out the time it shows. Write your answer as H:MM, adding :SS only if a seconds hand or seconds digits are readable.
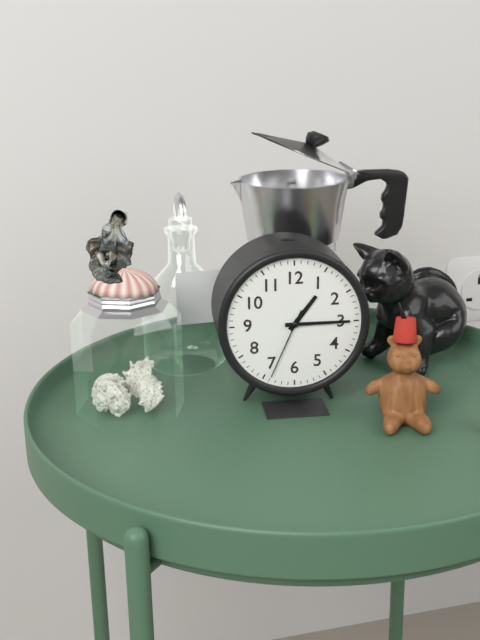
1:15:34
